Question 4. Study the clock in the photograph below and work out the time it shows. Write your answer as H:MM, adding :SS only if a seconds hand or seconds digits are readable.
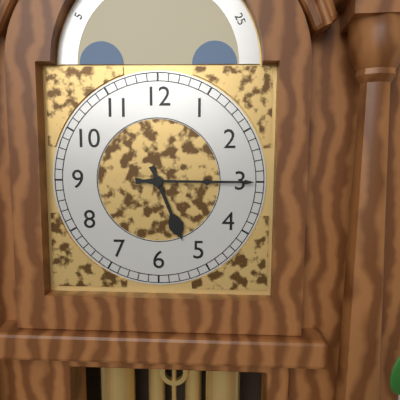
5:15
